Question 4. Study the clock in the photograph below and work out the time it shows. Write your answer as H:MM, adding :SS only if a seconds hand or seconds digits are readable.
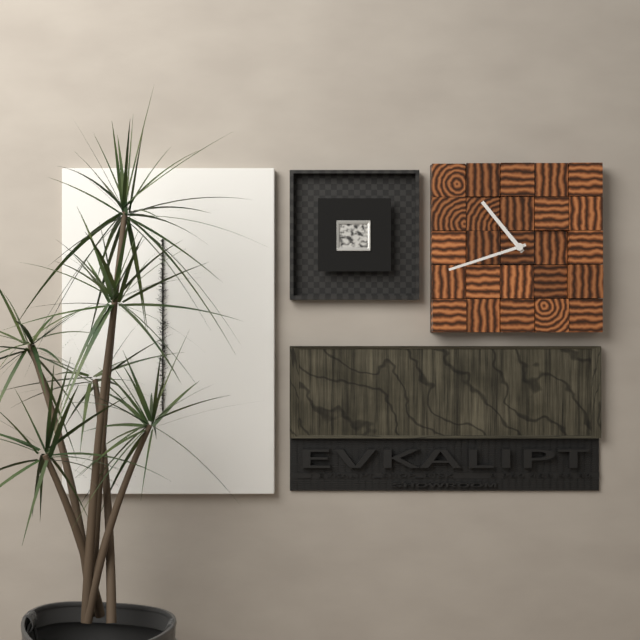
10:42
